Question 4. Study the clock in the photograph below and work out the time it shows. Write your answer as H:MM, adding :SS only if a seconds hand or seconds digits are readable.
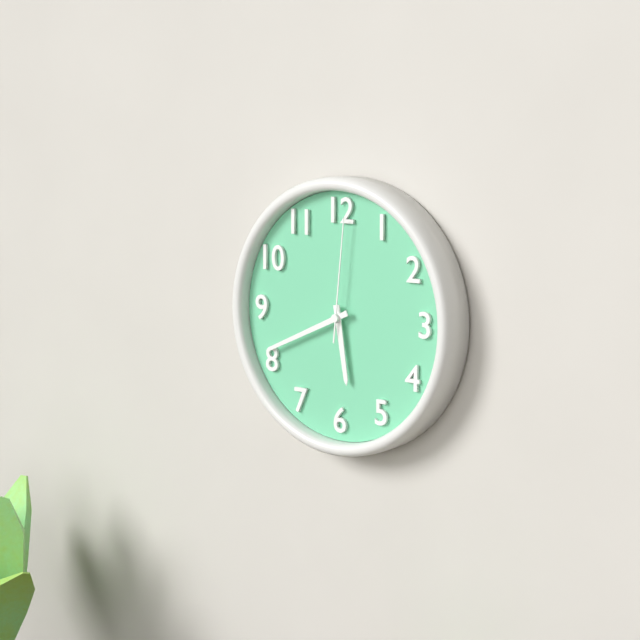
5:41:01
